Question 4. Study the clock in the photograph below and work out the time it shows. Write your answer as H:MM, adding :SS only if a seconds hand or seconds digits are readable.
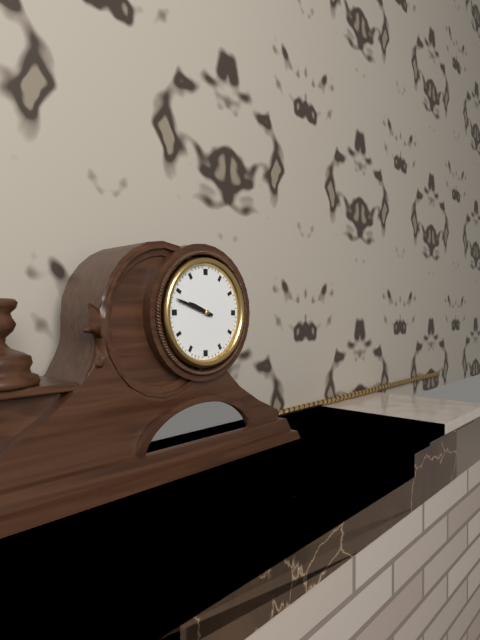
9:48
